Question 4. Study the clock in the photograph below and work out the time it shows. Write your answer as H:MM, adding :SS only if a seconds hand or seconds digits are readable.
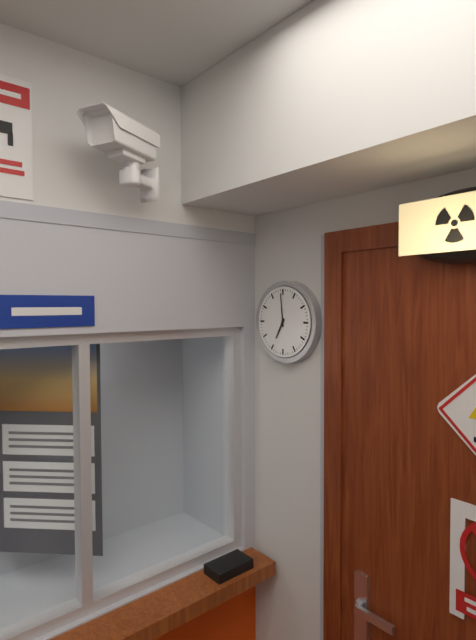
6:59
